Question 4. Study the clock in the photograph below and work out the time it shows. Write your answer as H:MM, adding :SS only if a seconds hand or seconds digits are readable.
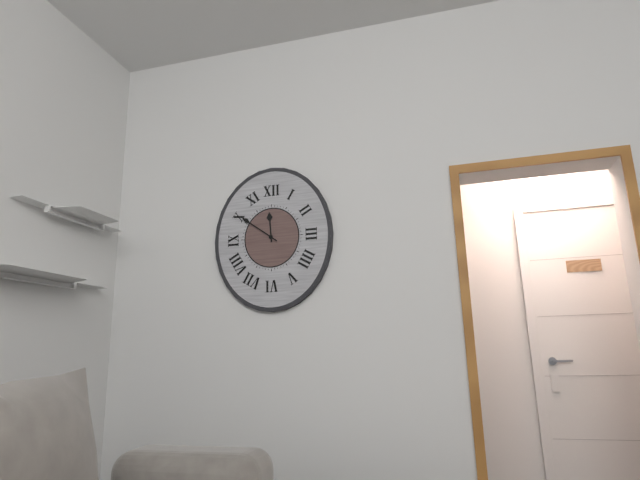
11:51
